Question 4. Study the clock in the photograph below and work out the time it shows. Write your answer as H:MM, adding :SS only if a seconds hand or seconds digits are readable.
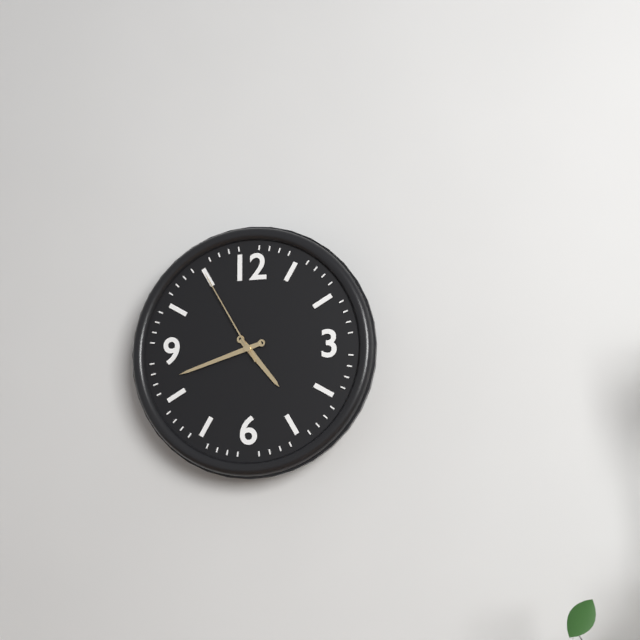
4:42:55
